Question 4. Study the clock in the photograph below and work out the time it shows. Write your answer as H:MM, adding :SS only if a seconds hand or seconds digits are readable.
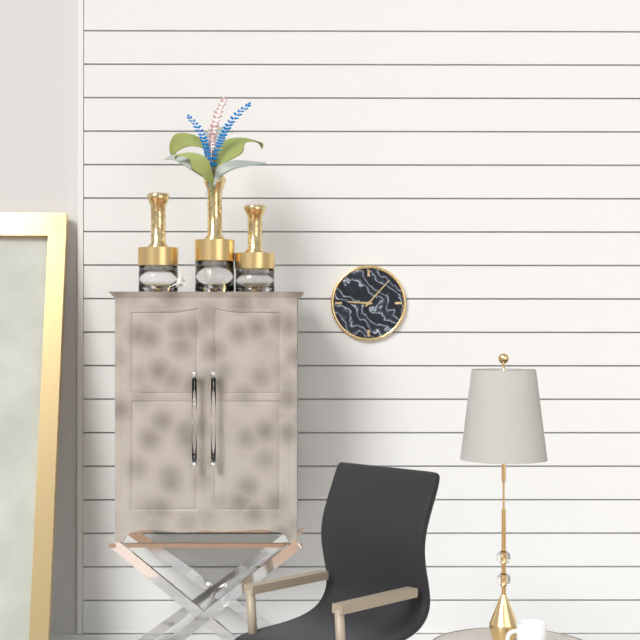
9:07
